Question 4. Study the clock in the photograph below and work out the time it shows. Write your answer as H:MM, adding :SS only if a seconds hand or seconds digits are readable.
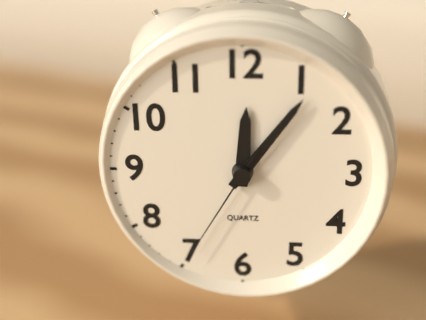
12:06:35
